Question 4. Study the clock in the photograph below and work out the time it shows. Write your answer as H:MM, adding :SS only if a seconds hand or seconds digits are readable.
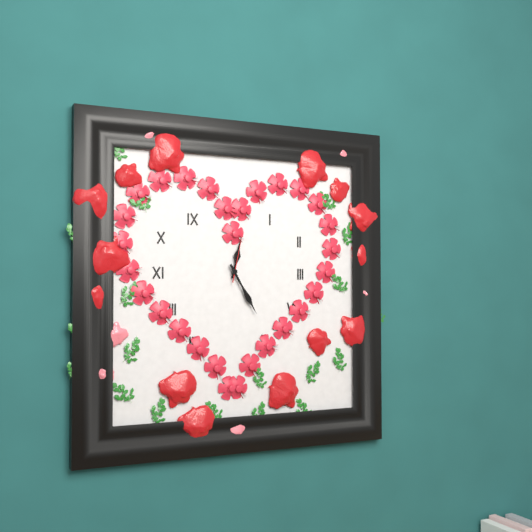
12:25
